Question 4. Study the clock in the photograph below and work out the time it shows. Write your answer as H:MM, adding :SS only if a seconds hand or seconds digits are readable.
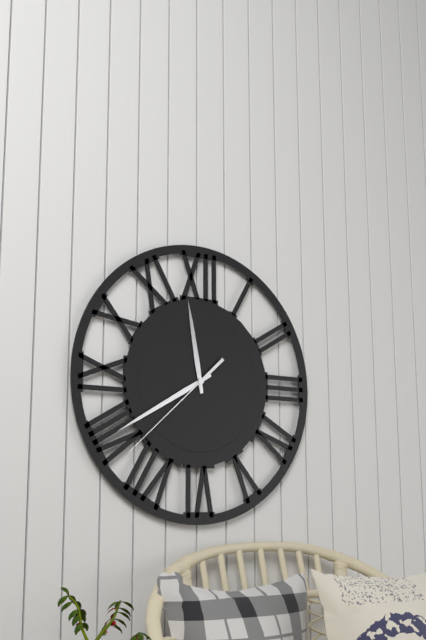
11:40:38
